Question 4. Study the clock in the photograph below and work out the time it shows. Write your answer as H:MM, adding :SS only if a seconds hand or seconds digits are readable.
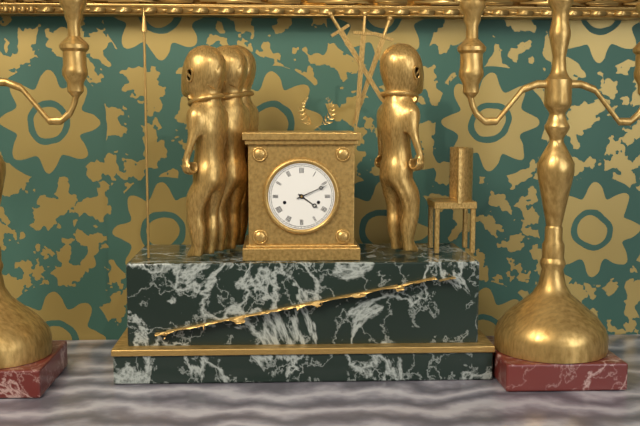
4:11
